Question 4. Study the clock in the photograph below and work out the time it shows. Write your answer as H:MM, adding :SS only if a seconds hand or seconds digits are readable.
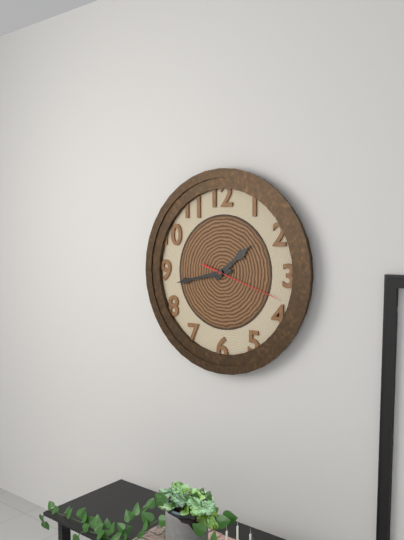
1:43:18
